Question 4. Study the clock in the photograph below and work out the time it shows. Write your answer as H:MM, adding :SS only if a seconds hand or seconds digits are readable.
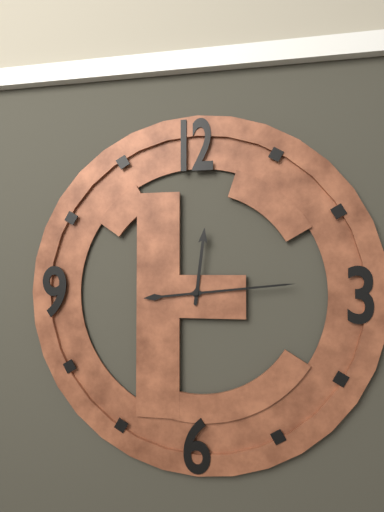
12:14
